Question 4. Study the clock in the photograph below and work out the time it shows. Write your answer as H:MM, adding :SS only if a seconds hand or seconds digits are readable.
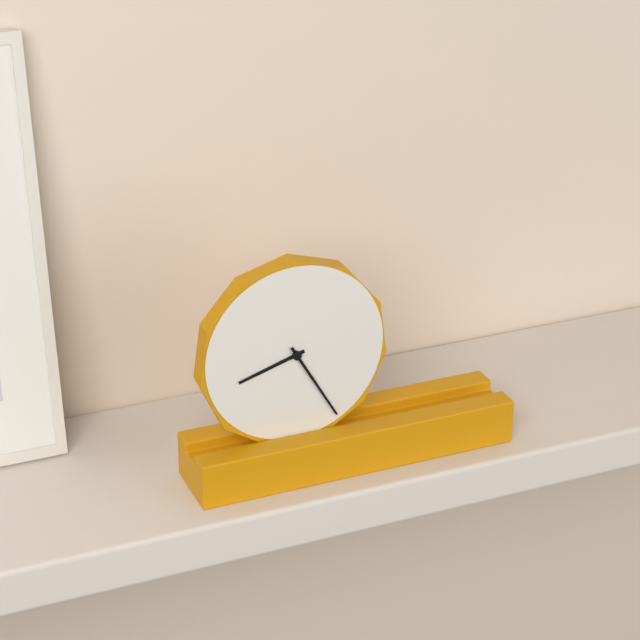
8:25
